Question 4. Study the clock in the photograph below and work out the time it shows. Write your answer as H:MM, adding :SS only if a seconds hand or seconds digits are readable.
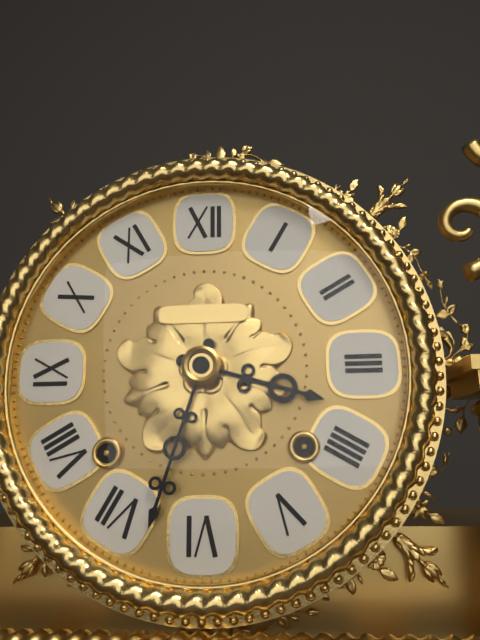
3:33
